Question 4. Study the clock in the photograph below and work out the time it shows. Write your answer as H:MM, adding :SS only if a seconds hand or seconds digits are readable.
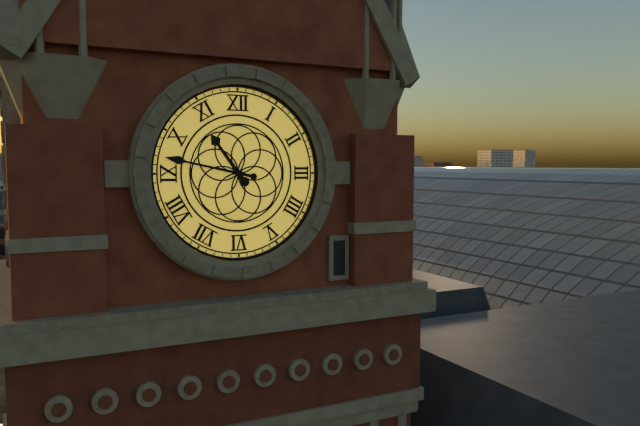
10:47
